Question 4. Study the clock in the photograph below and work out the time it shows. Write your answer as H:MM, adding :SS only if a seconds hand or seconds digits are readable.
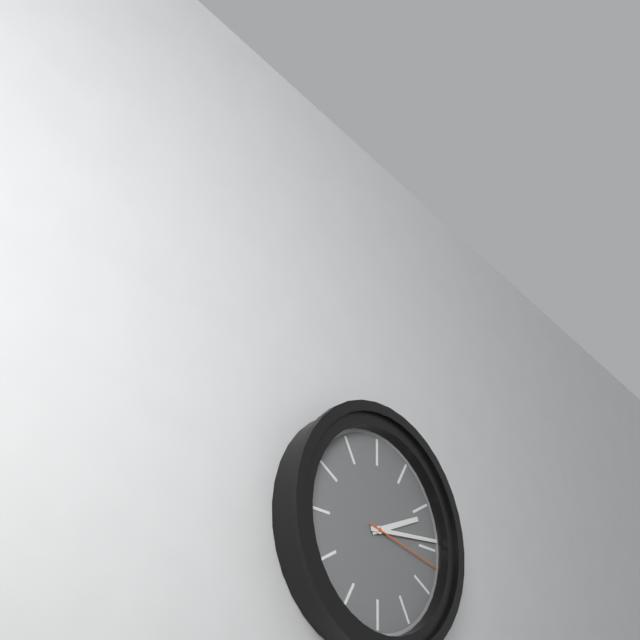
2:14:17
